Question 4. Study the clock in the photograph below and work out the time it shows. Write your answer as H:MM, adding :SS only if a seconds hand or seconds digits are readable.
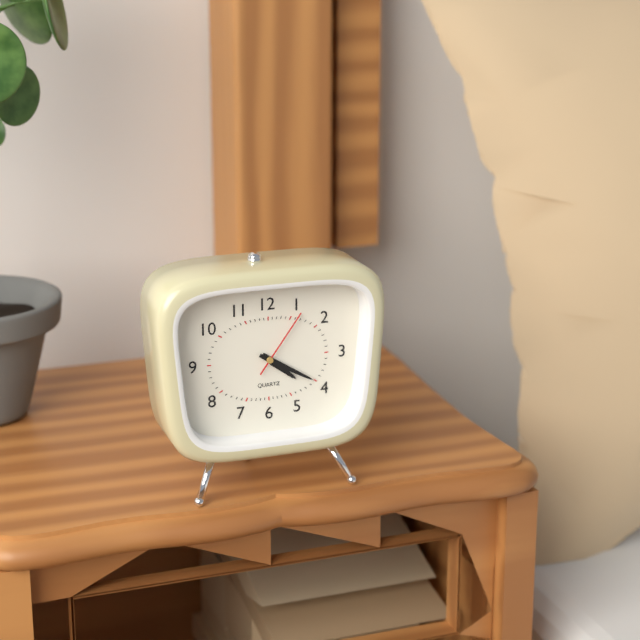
4:20:06
